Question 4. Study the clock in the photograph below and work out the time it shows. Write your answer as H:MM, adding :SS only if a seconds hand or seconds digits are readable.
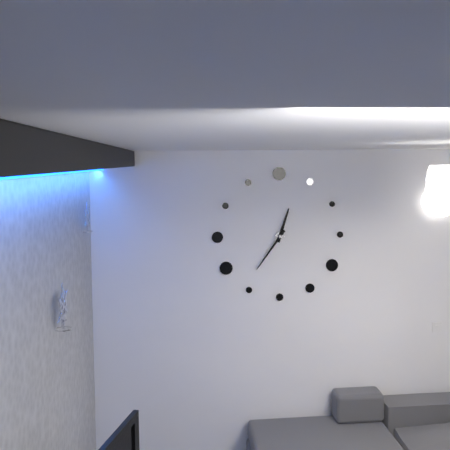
12:36
